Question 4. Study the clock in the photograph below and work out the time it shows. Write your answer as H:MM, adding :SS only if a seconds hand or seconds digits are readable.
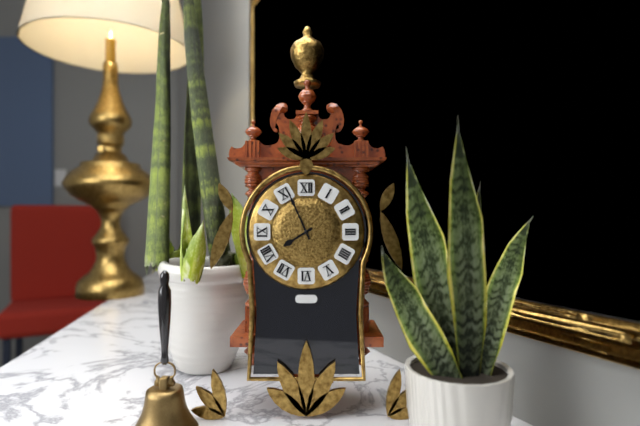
7:56
